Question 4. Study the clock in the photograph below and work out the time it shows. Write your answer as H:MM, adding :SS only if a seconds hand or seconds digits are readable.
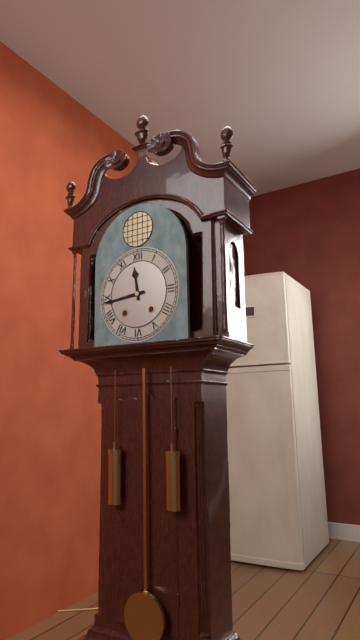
11:44
